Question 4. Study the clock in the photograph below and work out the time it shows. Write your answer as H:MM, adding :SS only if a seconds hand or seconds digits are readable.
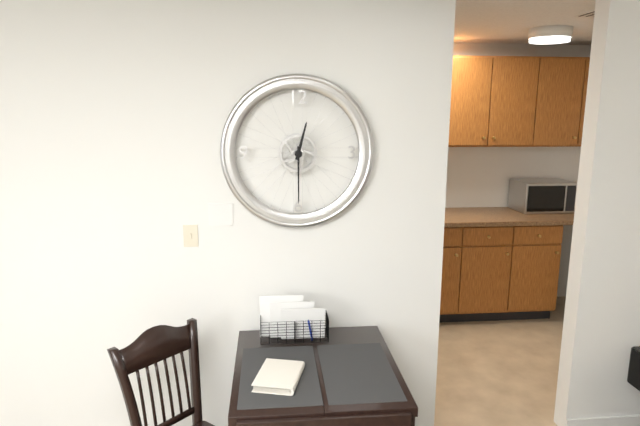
12:30
